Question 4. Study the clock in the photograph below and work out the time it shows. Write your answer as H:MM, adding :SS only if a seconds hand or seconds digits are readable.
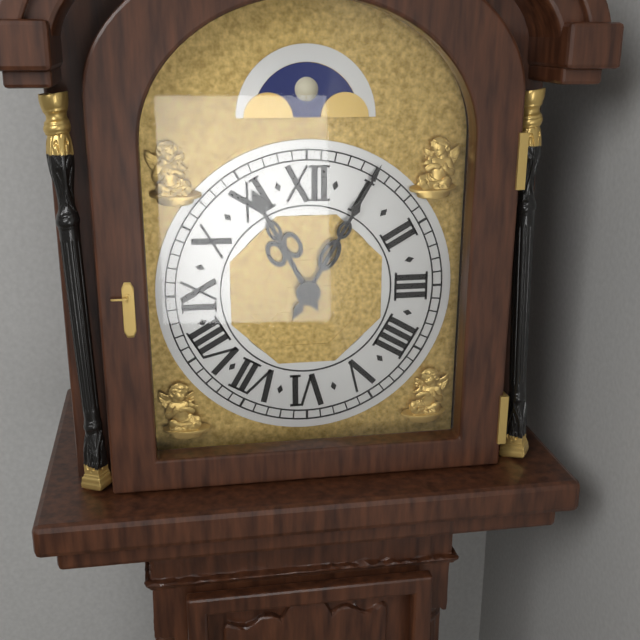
11:05
